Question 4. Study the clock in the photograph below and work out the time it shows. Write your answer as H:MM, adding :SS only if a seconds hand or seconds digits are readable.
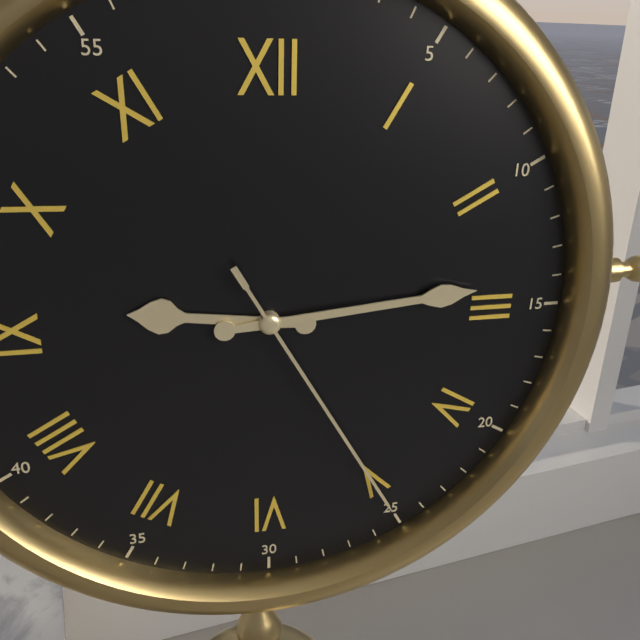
9:14:25
